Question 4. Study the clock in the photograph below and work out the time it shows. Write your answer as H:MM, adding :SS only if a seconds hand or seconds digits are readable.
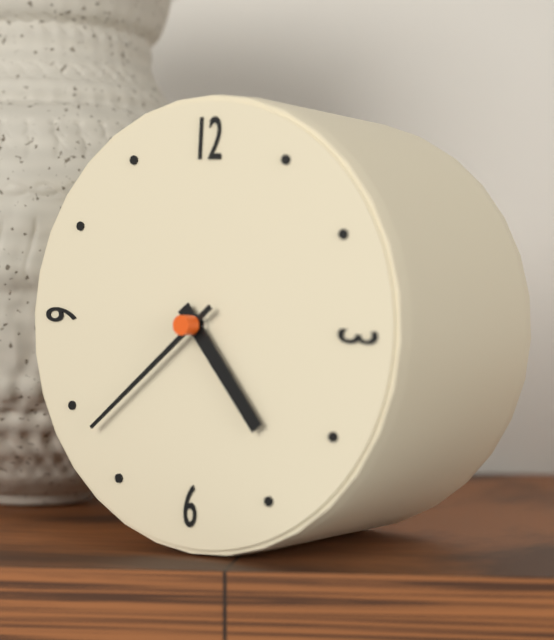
4:38
